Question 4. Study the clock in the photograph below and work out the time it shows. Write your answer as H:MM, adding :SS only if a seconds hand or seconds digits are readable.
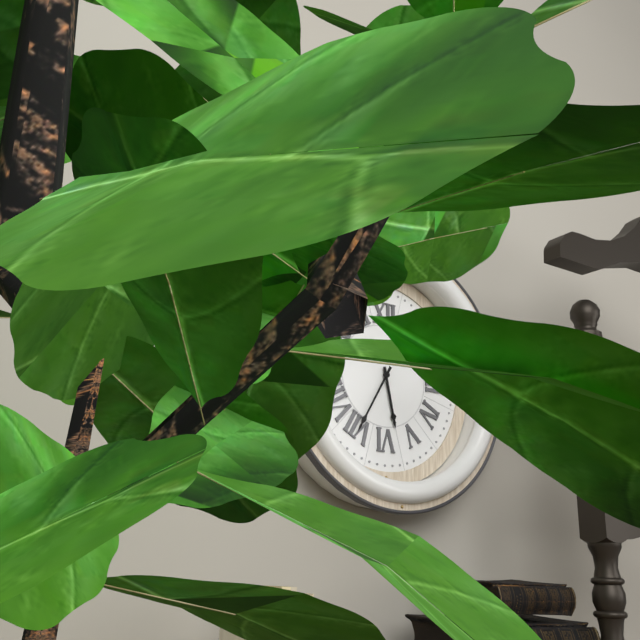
5:35
